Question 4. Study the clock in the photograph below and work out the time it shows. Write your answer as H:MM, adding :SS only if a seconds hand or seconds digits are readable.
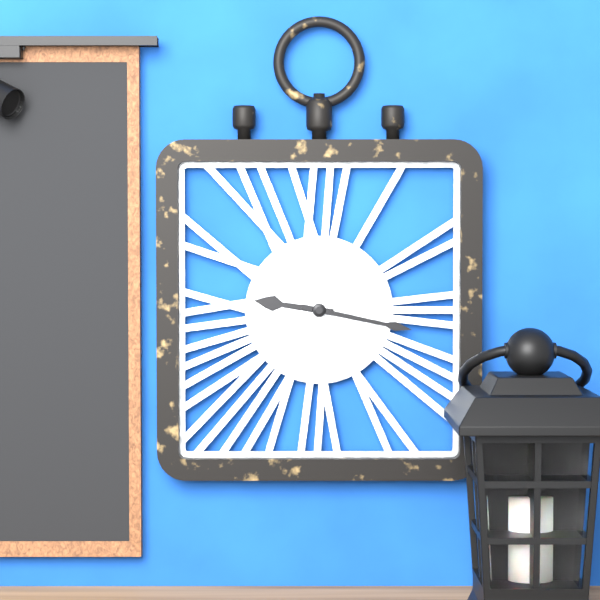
9:17
